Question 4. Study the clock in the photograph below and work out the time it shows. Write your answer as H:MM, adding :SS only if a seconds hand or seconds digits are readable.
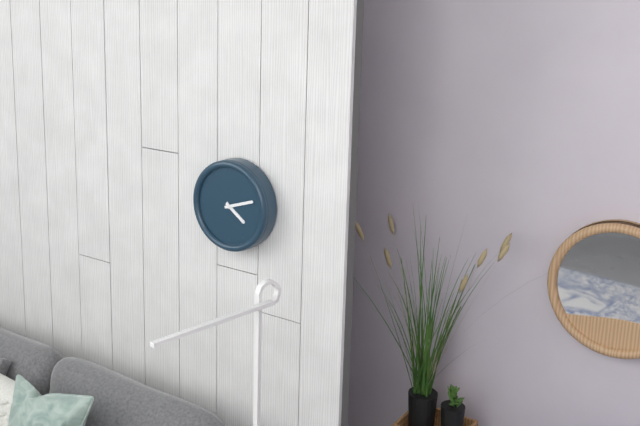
4:12
